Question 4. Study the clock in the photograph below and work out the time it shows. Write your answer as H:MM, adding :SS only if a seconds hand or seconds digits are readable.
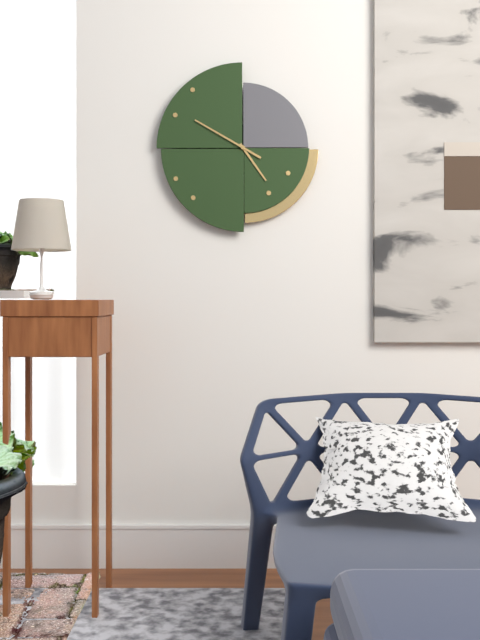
4:50
